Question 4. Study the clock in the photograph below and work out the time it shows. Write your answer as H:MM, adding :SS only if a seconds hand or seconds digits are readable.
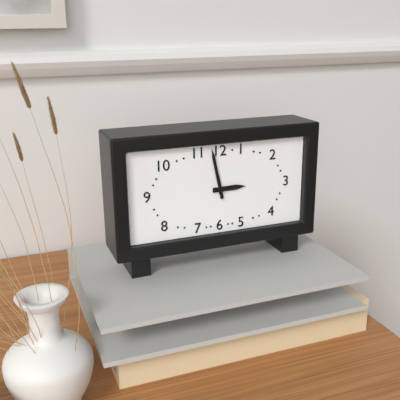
2:58
